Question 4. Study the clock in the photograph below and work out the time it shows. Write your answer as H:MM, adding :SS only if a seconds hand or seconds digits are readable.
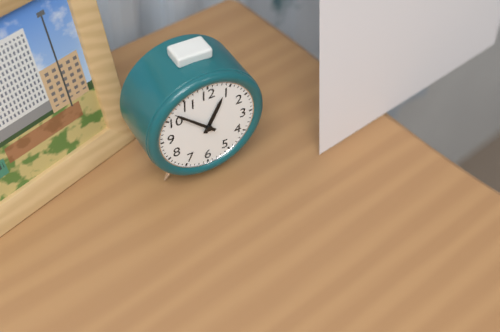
12:52
